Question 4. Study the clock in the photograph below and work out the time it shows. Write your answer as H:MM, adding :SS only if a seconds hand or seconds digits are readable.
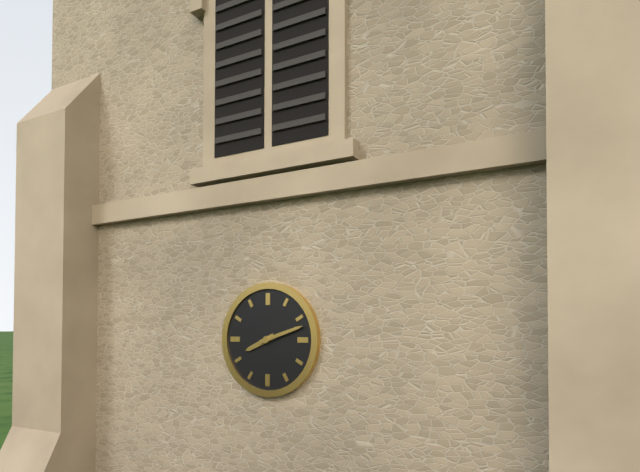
8:12
